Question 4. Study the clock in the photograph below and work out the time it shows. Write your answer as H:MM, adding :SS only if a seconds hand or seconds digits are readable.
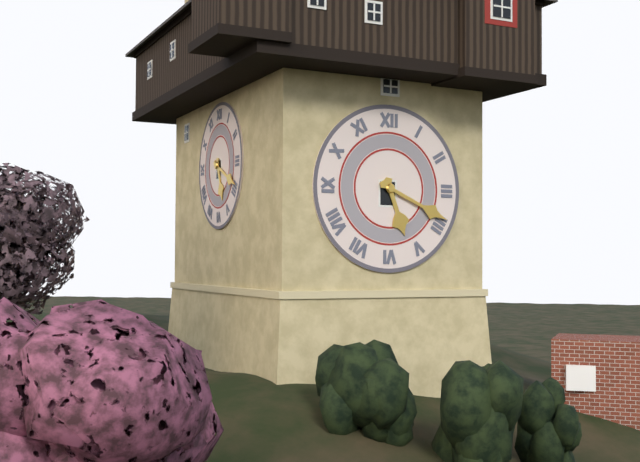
5:19
